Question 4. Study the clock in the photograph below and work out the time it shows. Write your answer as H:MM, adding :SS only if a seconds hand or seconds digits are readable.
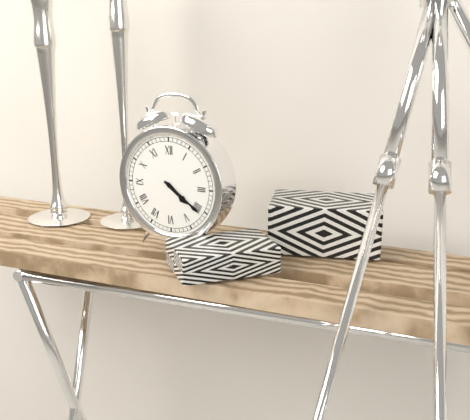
4:21
